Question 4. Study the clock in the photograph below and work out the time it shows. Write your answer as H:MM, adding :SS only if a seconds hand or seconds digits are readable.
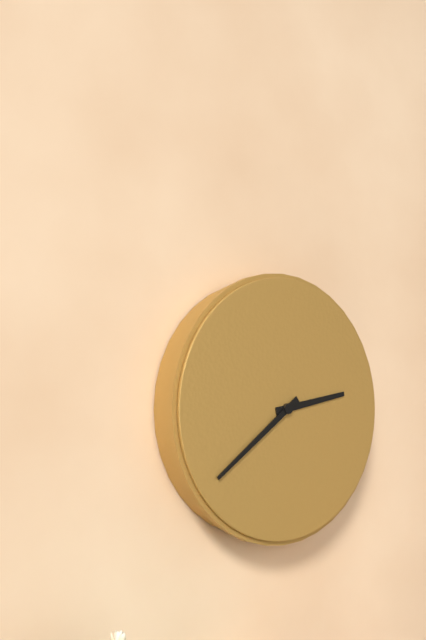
2:39
